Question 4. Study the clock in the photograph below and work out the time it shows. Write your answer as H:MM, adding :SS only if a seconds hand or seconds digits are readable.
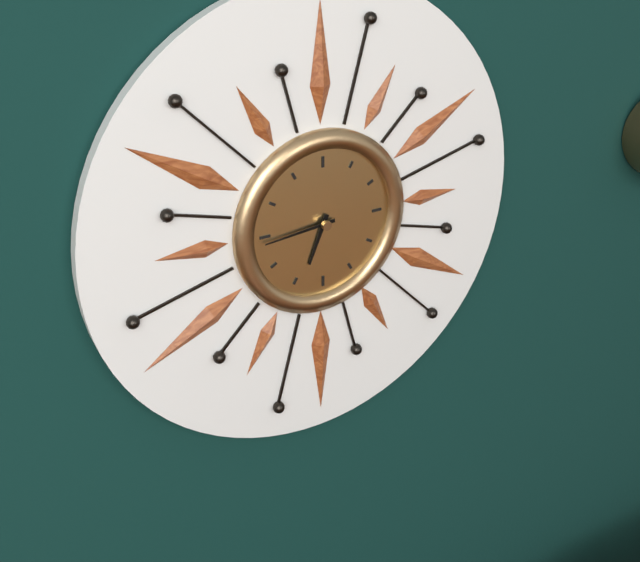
6:44
